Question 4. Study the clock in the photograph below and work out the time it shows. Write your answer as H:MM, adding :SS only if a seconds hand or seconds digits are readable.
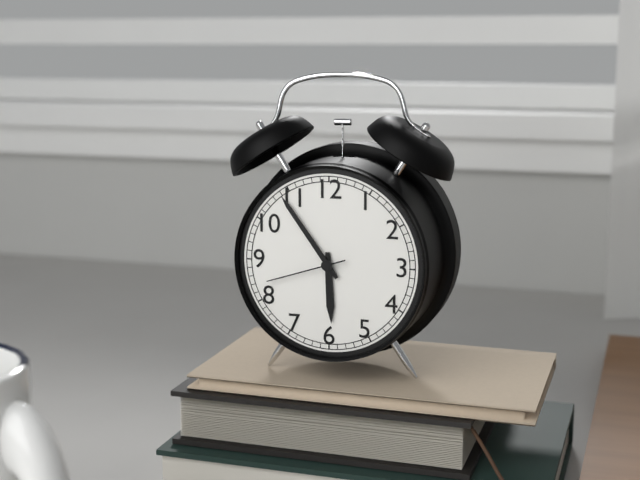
5:54:42
